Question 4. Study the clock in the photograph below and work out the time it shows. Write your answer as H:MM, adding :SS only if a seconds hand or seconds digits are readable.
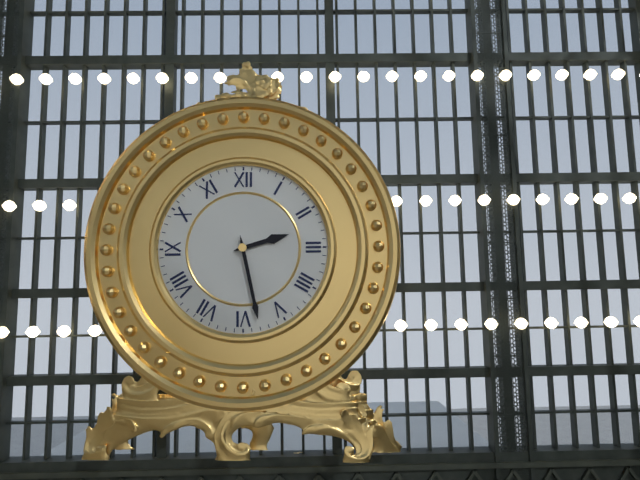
2:28
